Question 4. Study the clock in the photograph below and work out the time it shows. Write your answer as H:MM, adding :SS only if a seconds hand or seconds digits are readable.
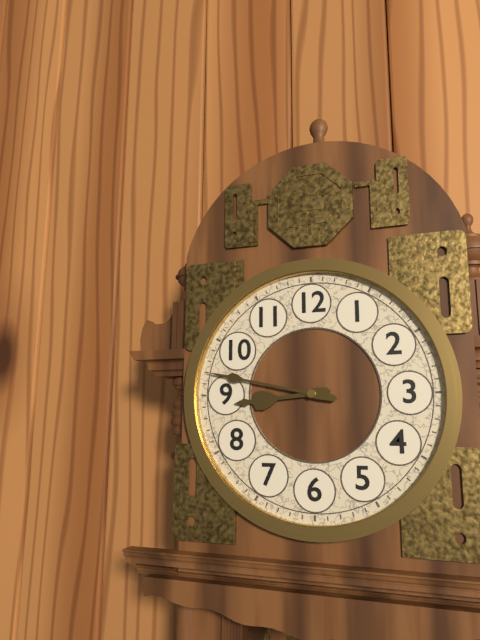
8:47
